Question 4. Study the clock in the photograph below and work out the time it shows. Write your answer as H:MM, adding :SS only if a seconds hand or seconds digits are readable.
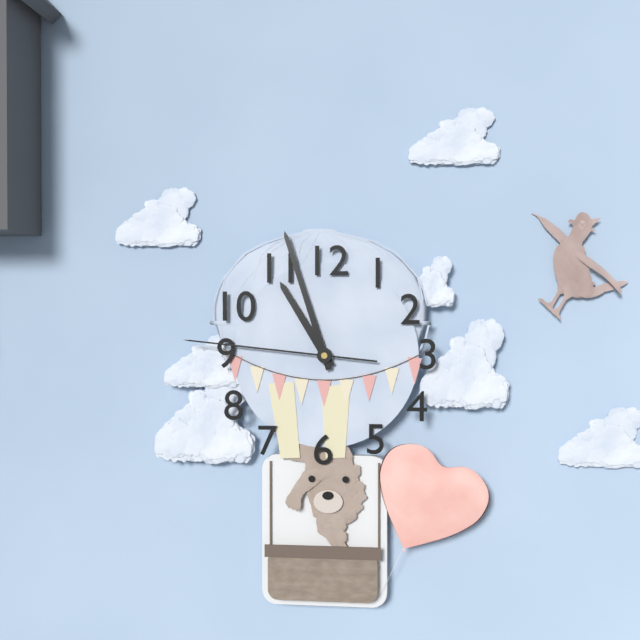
10:57:46
